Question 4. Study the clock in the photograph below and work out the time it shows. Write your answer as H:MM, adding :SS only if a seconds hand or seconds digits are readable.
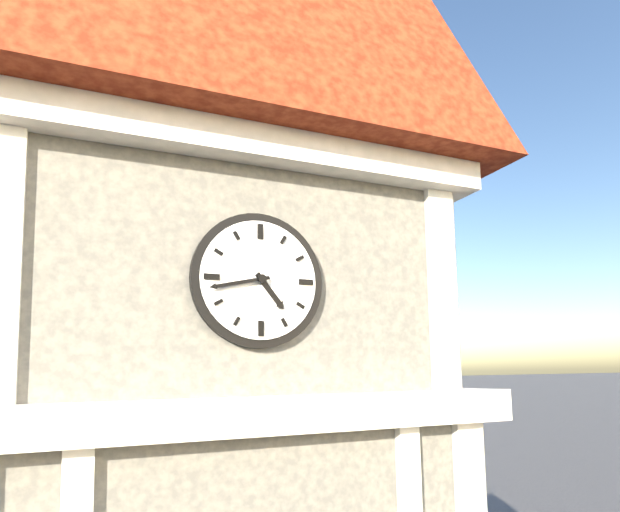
4:43
